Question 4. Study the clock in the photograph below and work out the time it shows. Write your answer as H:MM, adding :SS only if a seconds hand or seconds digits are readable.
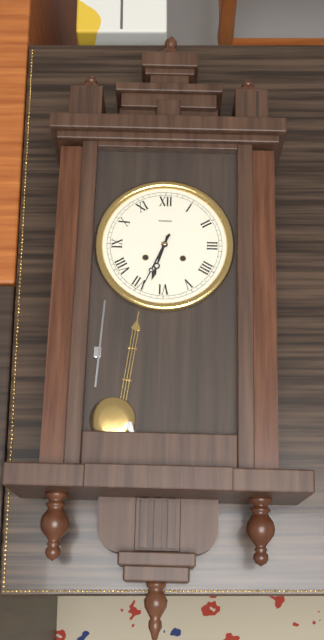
6:34
